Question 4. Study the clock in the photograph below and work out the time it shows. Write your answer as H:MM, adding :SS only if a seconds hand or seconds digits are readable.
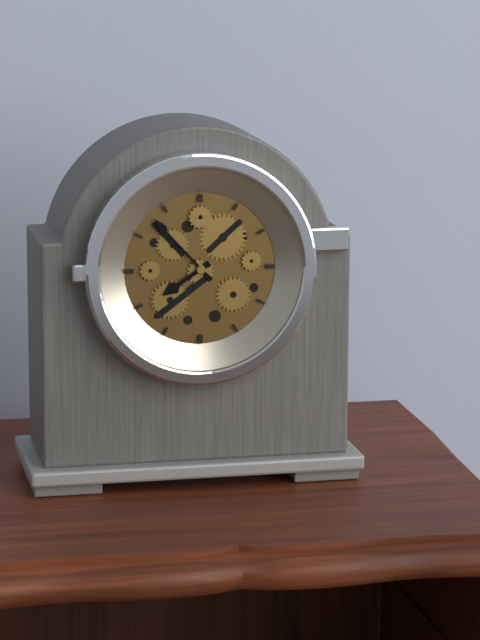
7:53
